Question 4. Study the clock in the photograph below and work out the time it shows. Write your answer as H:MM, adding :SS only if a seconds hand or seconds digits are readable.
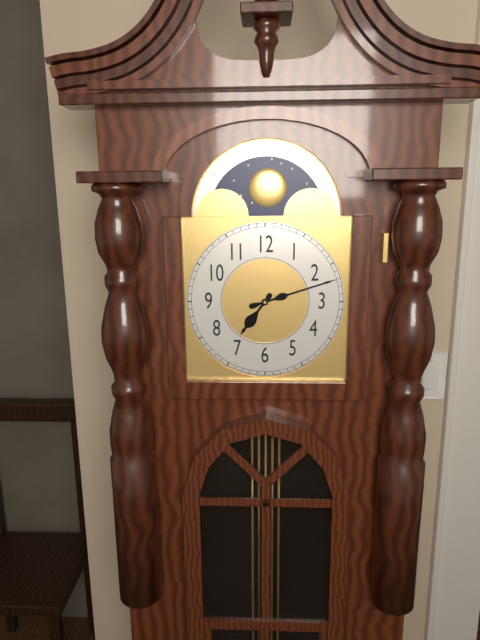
7:12
